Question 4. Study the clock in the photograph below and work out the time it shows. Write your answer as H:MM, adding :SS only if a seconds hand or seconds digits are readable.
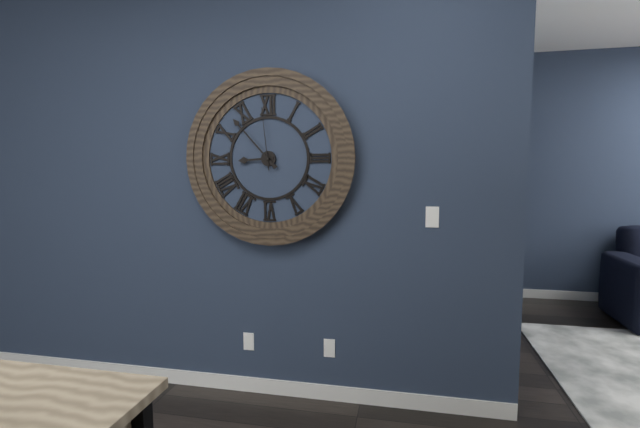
8:53:59
